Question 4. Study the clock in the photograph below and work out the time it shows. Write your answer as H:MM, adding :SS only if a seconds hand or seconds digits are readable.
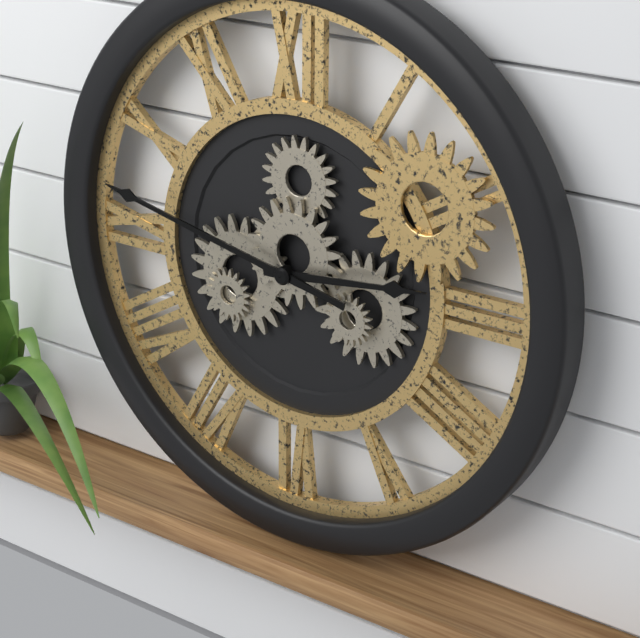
2:47
